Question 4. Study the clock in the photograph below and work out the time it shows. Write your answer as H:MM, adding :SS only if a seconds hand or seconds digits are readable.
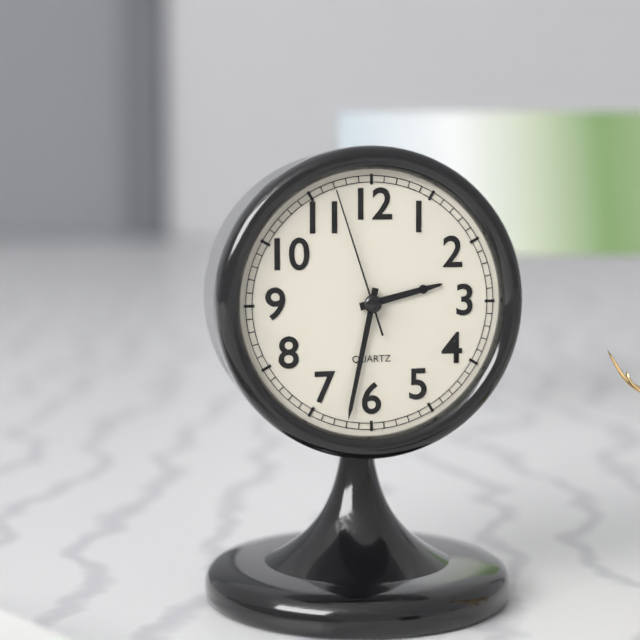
2:32:57
